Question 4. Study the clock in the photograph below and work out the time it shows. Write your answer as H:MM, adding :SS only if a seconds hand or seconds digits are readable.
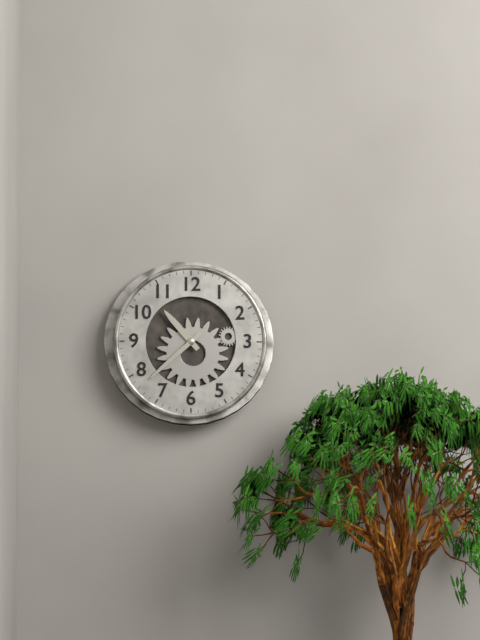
10:38
